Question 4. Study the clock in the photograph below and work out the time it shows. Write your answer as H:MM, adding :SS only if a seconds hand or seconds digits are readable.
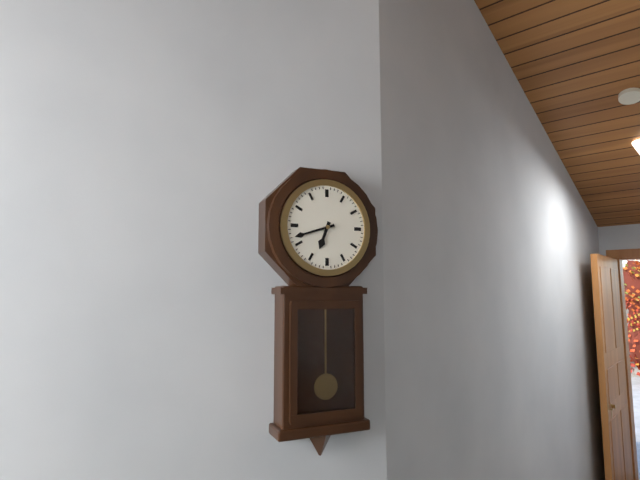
6:42
